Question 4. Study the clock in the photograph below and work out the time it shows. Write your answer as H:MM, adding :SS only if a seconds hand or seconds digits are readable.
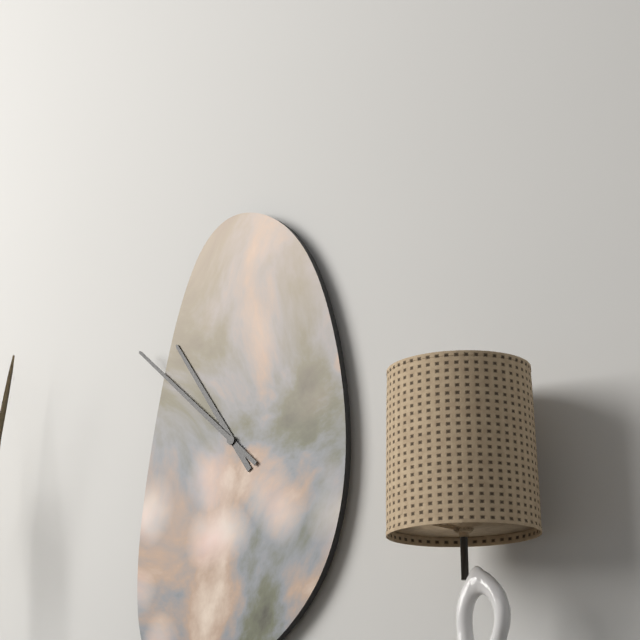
10:52
